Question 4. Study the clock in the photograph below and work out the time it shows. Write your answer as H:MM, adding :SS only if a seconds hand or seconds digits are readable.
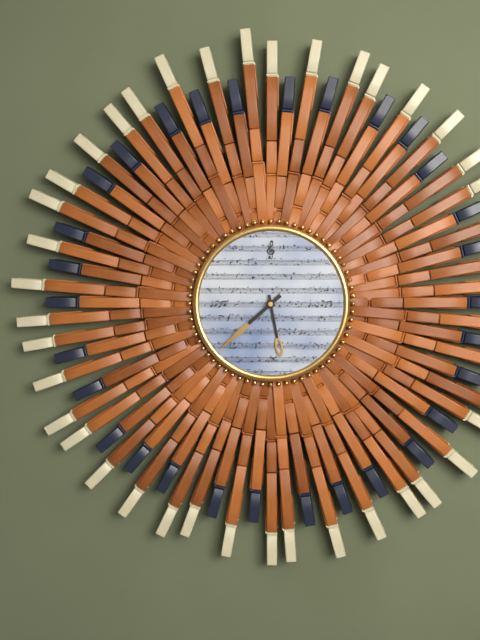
5:38
